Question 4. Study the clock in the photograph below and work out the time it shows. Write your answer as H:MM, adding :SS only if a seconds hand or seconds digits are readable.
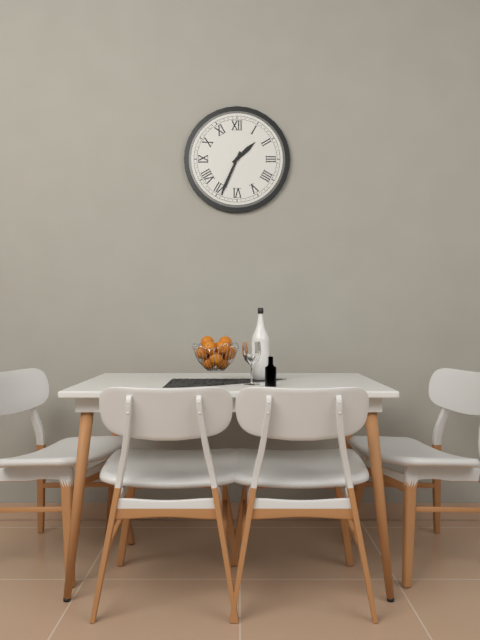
1:34
